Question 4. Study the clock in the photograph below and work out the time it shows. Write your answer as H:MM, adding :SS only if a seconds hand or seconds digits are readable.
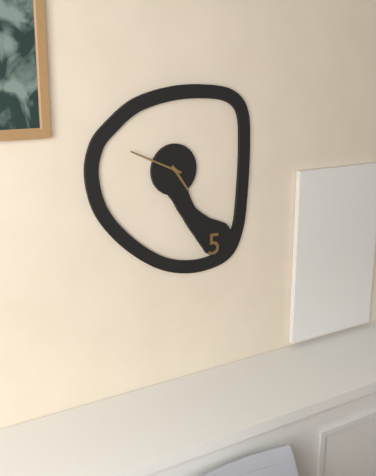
4:49
